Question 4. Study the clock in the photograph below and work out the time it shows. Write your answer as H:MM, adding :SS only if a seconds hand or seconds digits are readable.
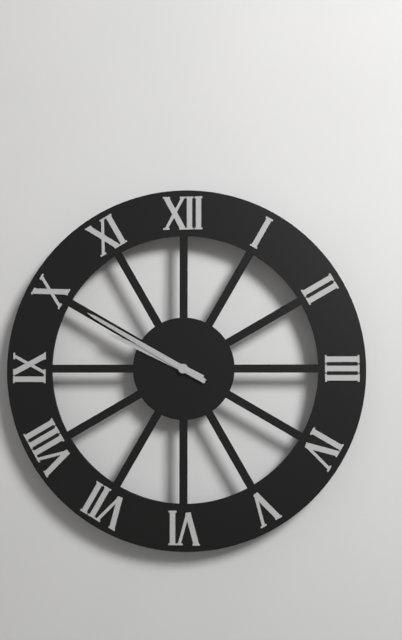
9:50
